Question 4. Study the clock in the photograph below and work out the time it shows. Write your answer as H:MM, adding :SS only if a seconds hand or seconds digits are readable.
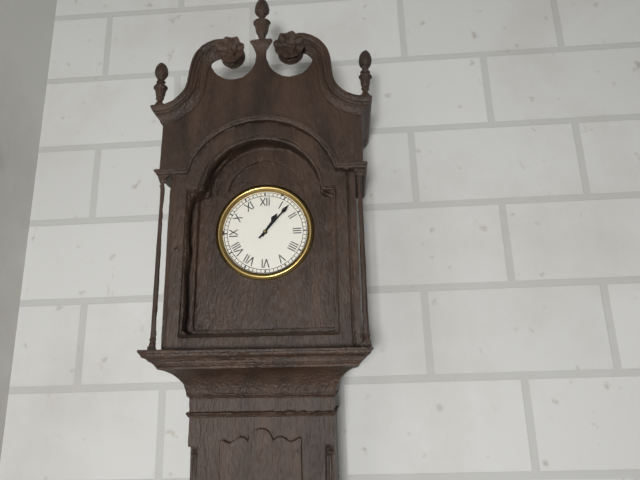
1:07
